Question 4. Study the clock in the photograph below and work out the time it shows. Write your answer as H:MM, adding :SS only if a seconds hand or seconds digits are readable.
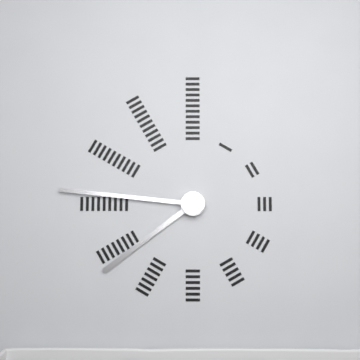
7:46
